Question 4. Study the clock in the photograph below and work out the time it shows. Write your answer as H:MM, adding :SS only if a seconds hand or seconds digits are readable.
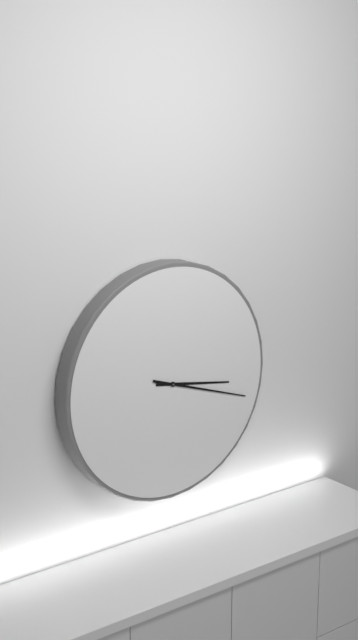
3:18
